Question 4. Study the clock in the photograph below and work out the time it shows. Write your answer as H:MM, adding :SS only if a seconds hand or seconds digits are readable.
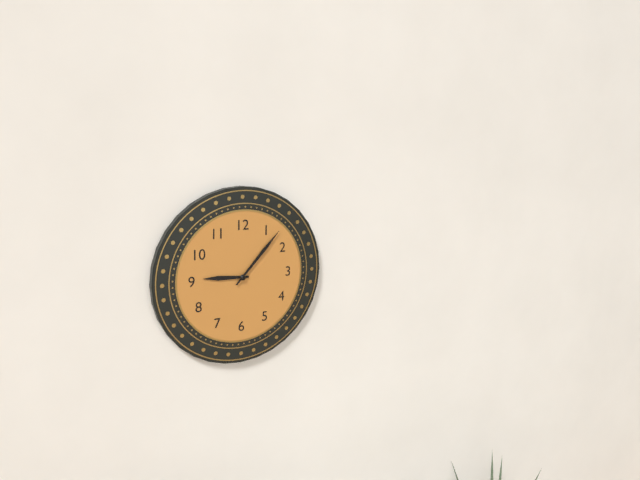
9:07
